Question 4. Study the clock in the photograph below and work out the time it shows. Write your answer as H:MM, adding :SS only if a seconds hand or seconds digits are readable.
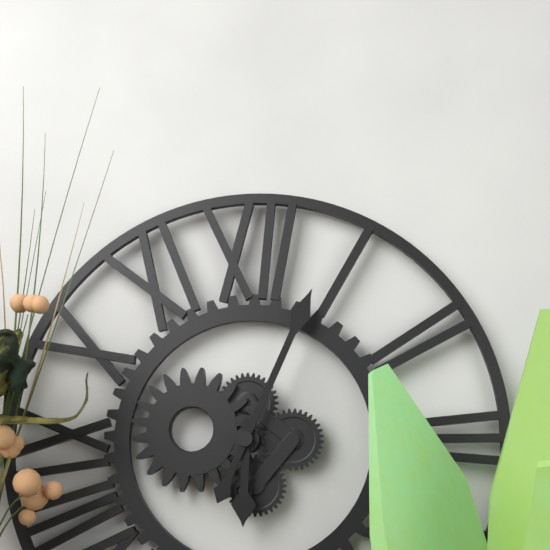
6:04
